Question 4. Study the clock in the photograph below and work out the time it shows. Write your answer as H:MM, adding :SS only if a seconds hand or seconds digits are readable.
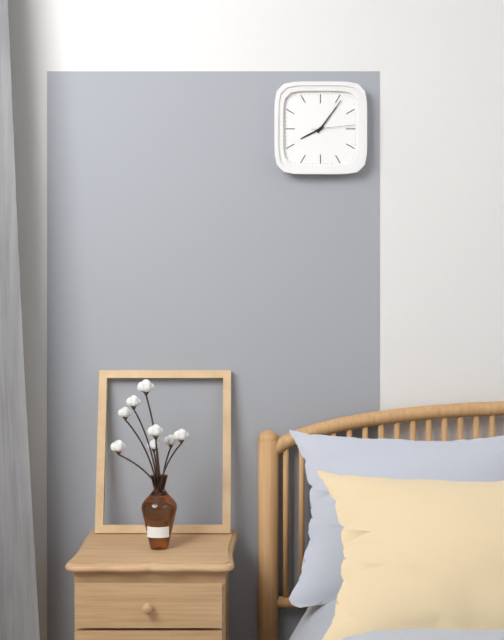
8:06
